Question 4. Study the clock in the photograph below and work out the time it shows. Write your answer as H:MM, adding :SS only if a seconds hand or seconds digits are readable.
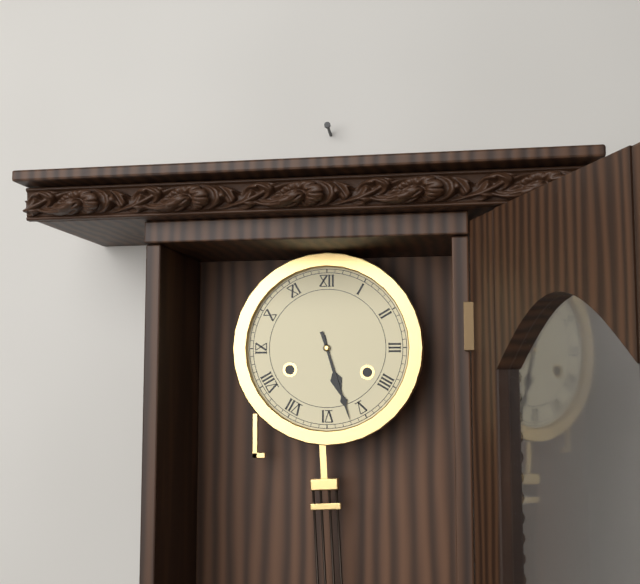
5:27
